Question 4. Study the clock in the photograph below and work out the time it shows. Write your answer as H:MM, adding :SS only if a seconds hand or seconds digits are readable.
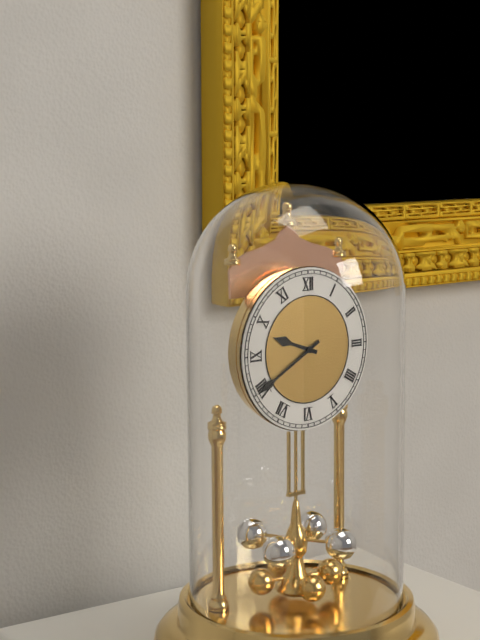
9:40
